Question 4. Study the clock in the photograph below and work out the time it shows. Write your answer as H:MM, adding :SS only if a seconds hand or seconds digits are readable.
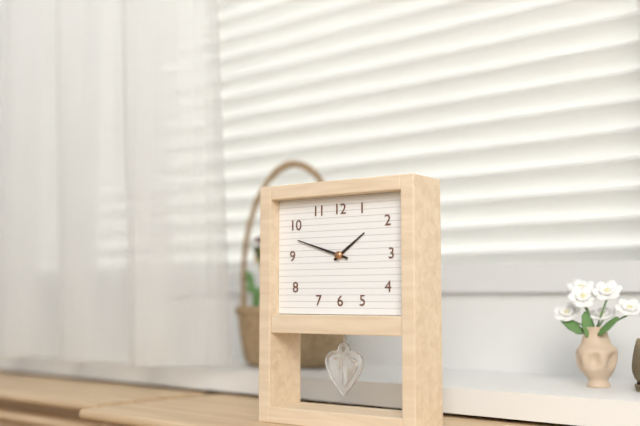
1:48
